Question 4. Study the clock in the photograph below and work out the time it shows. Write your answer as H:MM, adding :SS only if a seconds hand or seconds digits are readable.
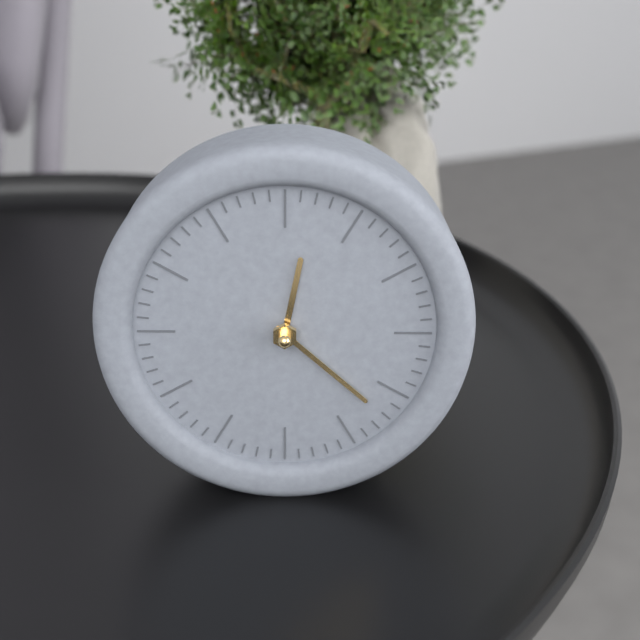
12:22
